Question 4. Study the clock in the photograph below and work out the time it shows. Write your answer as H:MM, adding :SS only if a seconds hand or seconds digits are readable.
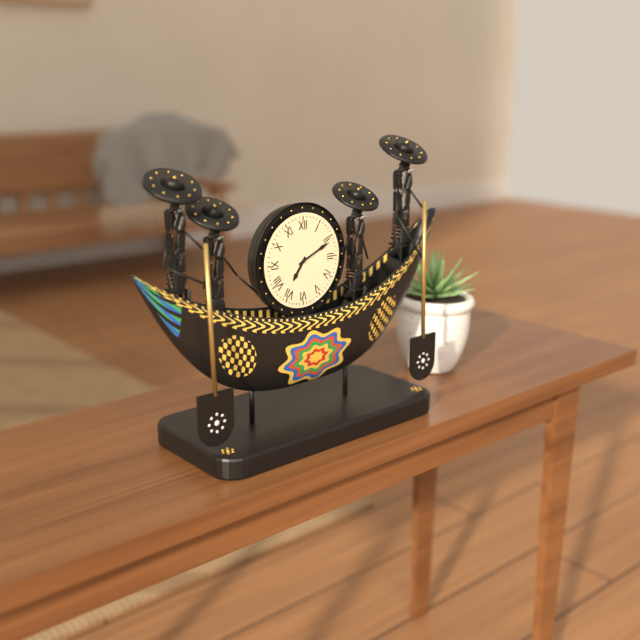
7:11
